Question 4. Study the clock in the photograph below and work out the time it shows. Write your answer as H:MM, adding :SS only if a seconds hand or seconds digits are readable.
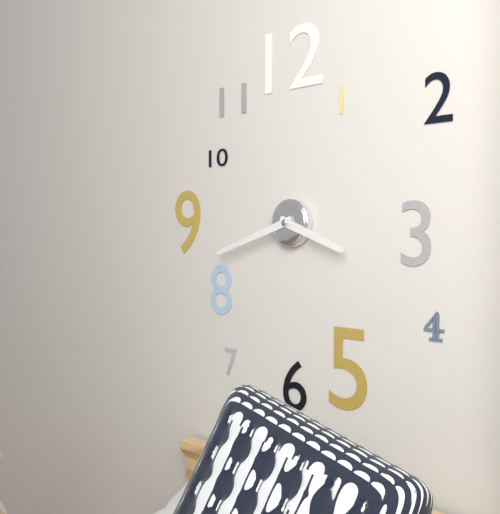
3:42
